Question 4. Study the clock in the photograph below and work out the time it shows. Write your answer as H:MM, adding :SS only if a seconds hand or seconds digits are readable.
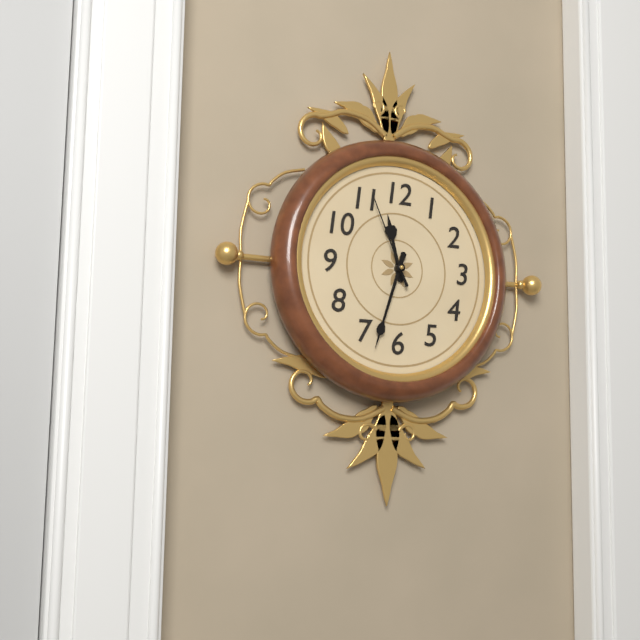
11:33:56
